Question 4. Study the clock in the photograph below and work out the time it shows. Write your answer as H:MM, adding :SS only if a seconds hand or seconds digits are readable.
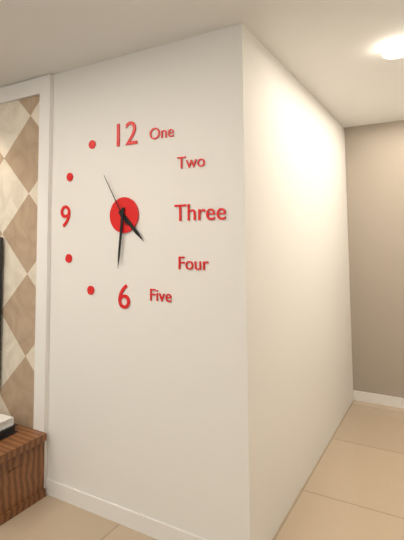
4:31:55
